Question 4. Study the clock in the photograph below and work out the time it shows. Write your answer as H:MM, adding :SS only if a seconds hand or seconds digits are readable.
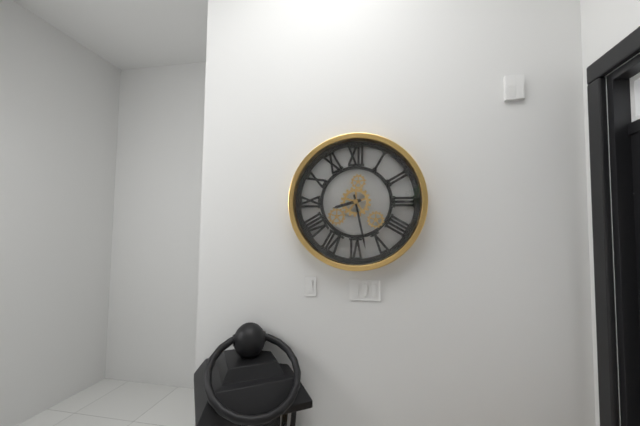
8:28
